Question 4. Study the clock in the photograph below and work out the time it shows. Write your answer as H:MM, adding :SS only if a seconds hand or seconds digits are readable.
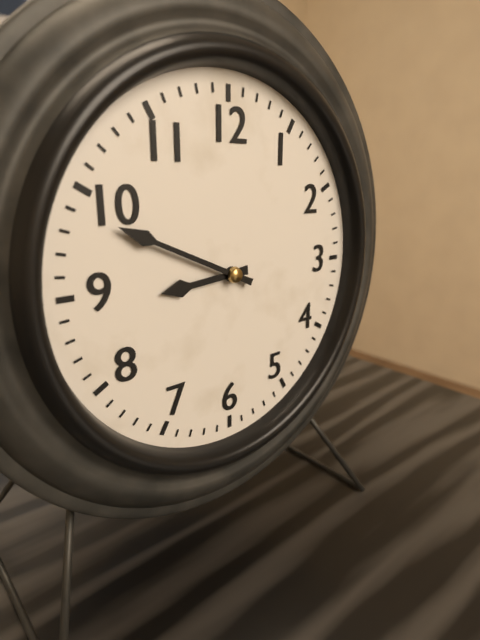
8:49
